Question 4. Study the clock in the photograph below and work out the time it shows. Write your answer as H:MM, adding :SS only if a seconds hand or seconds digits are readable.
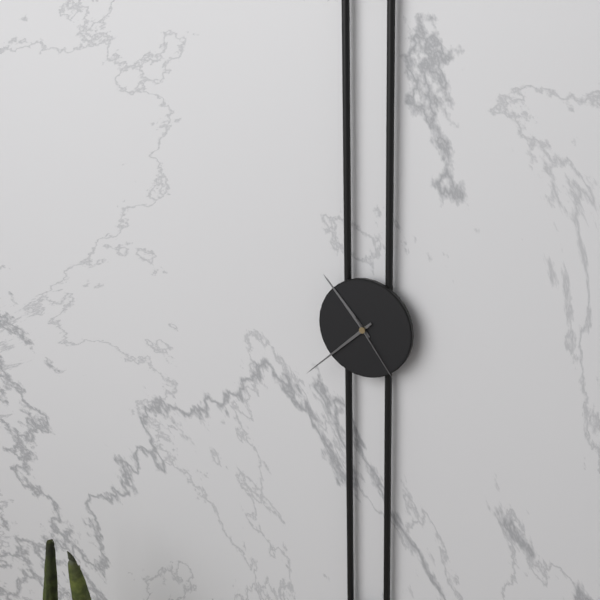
10:38:24
